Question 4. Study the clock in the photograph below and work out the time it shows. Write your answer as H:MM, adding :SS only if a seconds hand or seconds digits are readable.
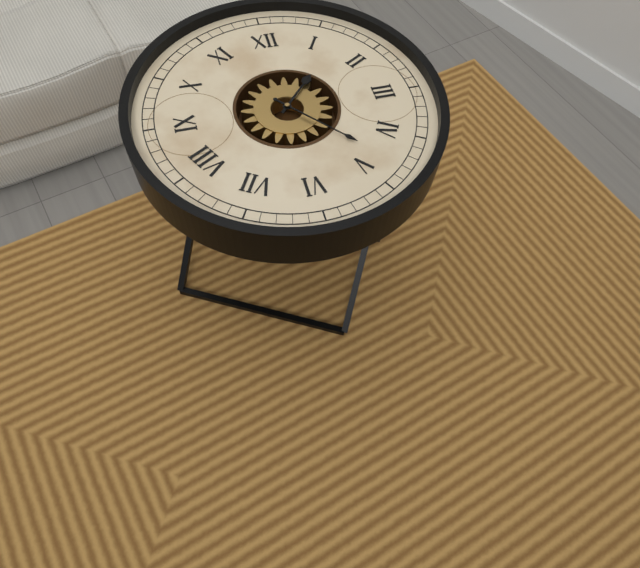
1:23
